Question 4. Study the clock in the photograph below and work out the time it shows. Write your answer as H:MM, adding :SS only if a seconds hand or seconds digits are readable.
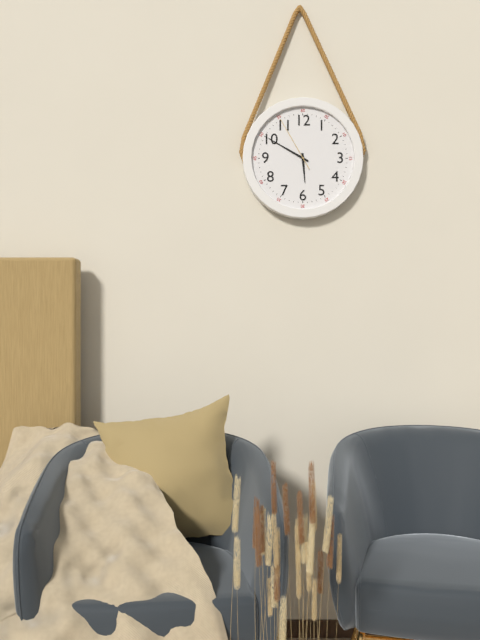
5:50:55
